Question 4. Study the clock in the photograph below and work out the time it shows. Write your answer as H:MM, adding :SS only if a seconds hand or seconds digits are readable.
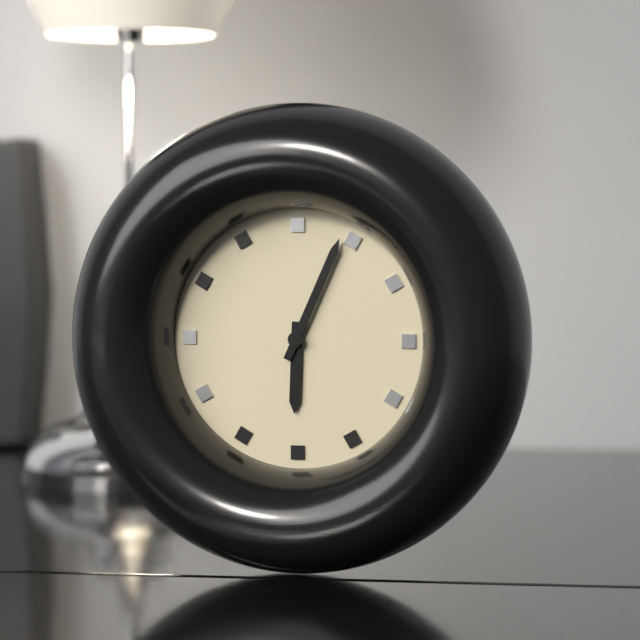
6:04
